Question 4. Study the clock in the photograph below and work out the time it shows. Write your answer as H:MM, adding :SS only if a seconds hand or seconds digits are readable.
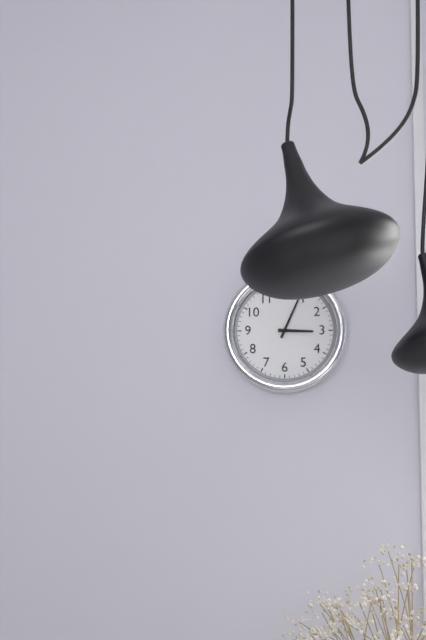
3:04
